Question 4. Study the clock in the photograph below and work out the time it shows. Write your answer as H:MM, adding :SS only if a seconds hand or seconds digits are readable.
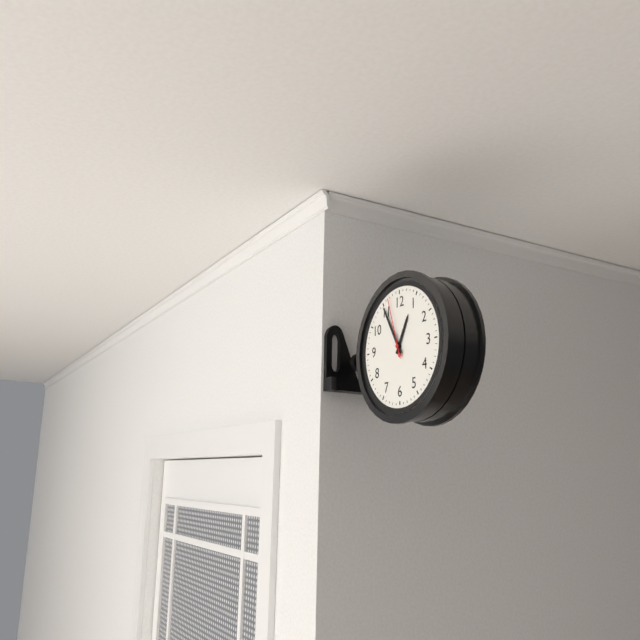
12:55:57
